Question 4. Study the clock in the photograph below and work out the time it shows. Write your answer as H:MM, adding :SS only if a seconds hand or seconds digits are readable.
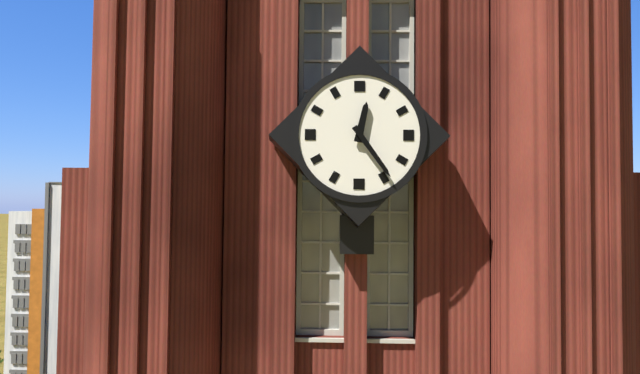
12:24
